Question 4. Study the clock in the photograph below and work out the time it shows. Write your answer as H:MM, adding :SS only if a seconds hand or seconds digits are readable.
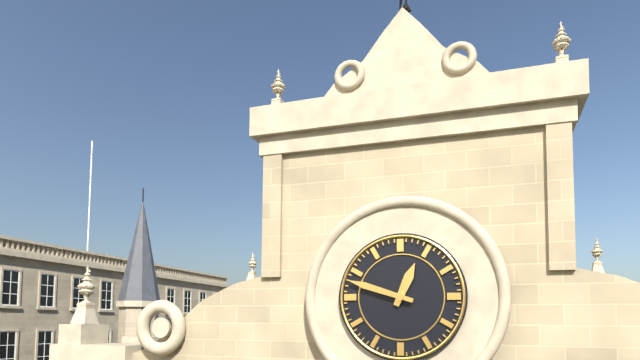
12:48
